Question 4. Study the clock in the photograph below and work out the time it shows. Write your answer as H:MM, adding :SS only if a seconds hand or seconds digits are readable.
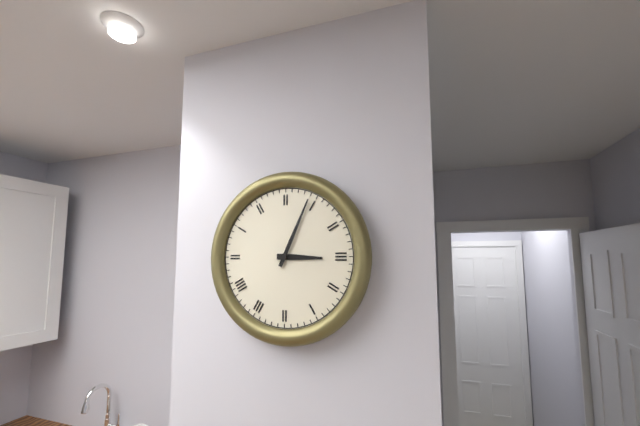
3:04
